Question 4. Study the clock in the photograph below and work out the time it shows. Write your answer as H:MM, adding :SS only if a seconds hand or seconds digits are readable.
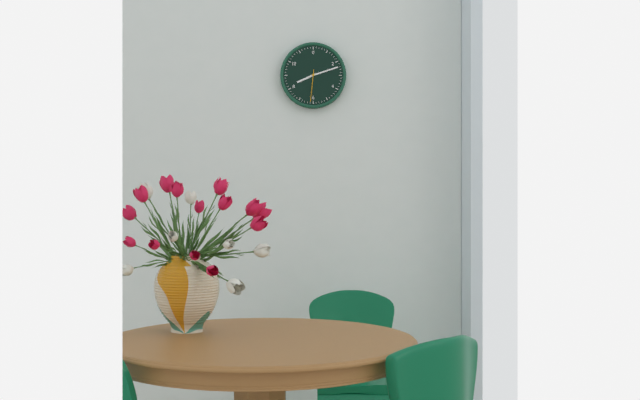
8:12
